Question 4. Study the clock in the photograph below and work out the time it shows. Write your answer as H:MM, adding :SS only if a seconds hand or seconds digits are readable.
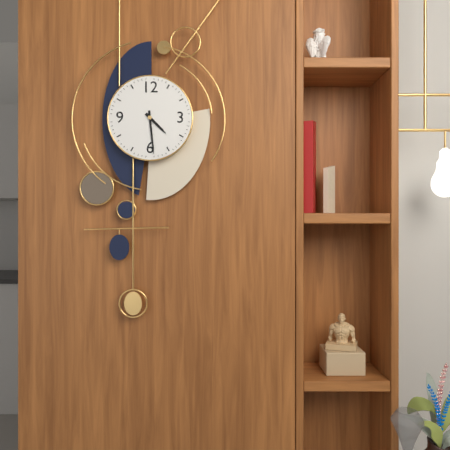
4:29
